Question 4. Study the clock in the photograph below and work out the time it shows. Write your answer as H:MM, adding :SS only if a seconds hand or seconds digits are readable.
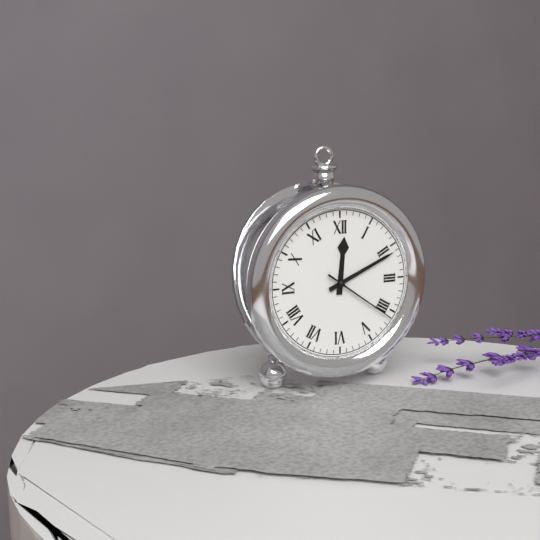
12:11:21
